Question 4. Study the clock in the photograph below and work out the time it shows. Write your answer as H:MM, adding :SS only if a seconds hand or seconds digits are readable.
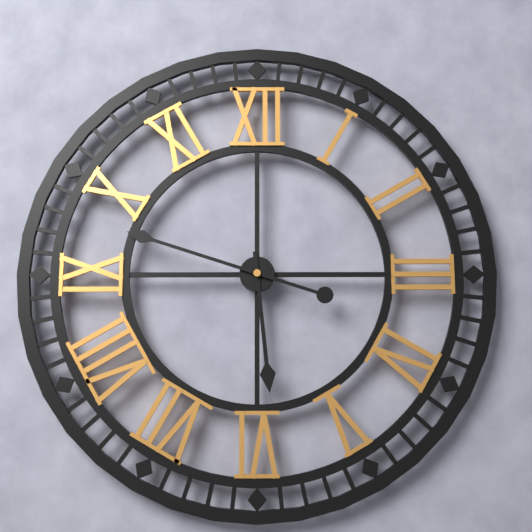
5:48
